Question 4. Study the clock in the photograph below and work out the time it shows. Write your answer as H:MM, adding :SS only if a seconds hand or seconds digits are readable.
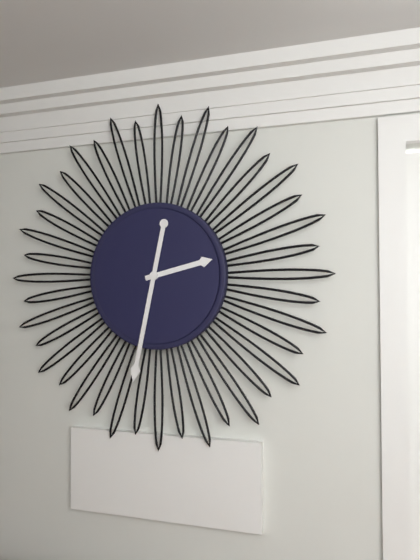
2:32
